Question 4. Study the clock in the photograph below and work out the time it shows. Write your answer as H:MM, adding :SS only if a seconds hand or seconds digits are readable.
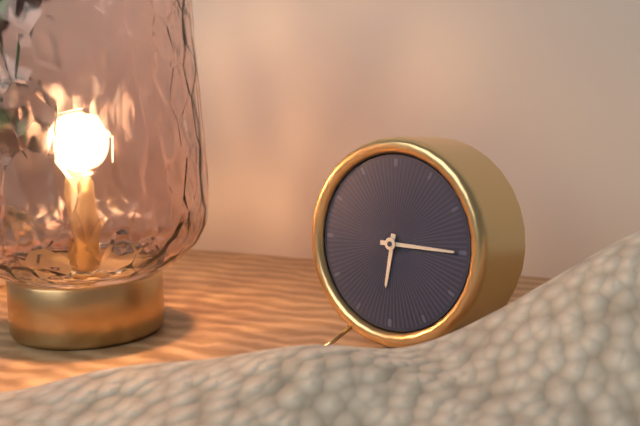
6:15
